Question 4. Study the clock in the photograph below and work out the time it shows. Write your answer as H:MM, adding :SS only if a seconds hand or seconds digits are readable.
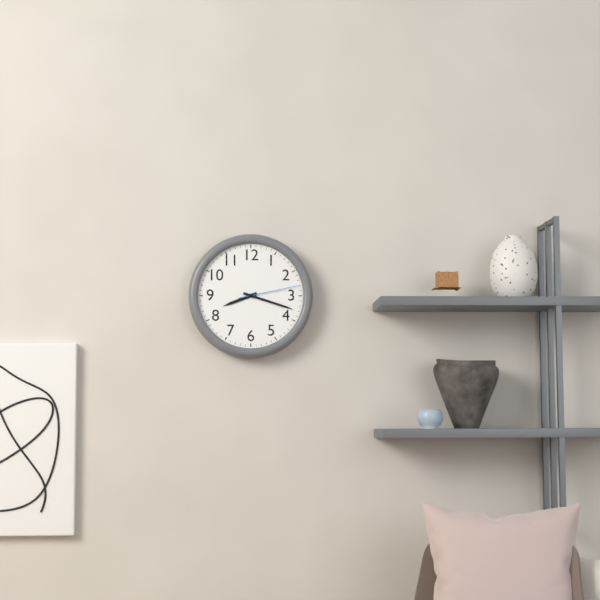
8:18:13
